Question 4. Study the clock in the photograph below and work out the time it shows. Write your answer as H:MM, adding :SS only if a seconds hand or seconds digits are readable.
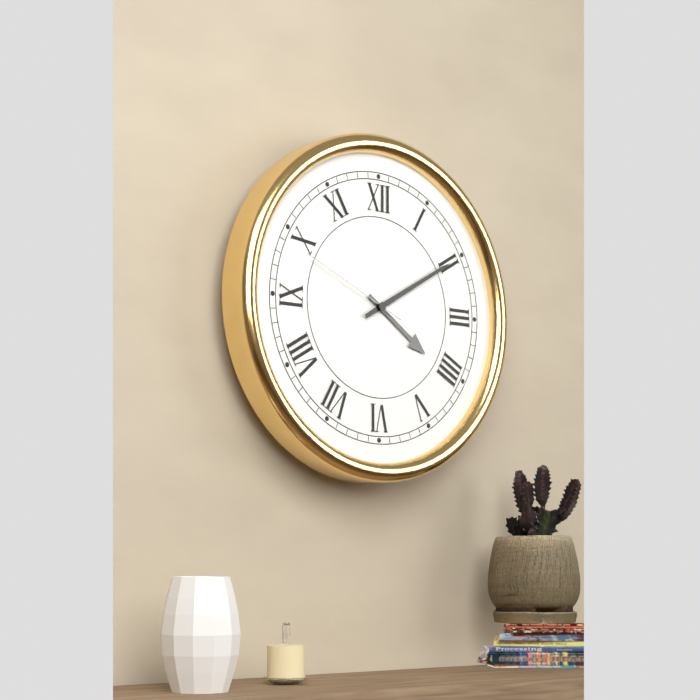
4:10:49
